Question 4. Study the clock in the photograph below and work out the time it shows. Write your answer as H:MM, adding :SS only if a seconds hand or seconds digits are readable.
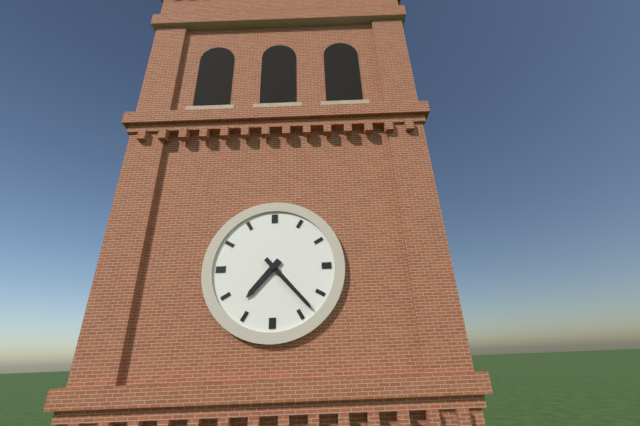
7:23
